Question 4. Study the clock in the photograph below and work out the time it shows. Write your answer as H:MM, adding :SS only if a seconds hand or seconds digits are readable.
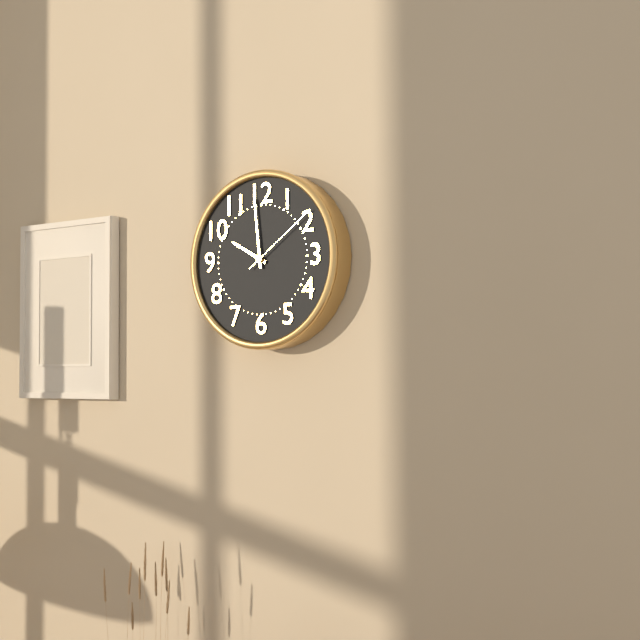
9:59:09
